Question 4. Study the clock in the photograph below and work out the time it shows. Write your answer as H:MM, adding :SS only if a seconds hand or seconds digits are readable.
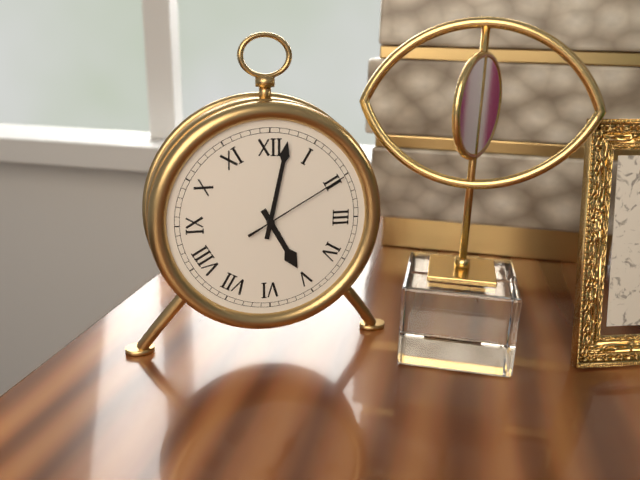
5:02:10
